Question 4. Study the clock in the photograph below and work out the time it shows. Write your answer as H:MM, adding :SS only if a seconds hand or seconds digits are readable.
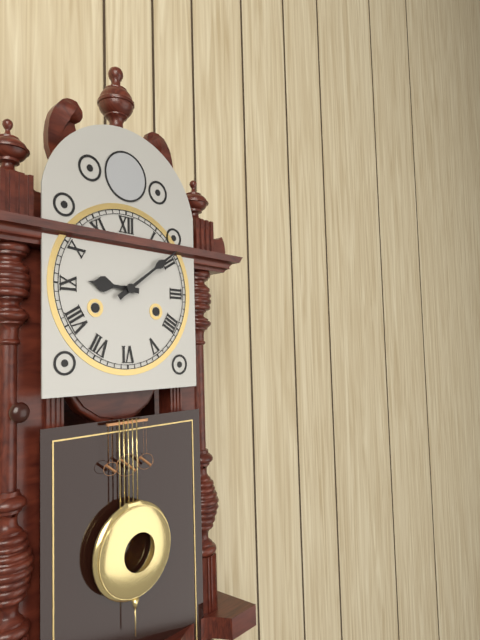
9:09
